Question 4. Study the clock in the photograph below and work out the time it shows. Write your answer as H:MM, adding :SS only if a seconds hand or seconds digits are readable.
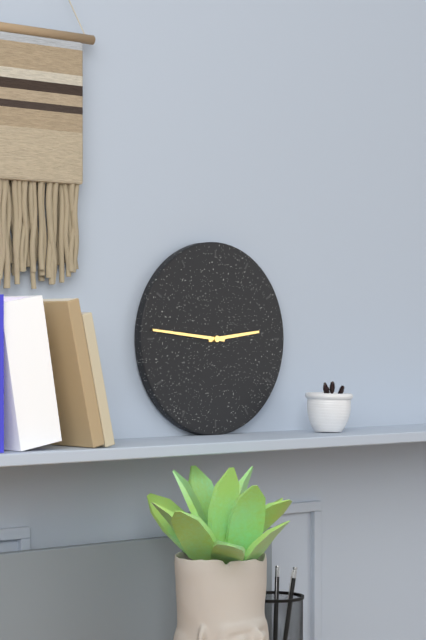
2:46
